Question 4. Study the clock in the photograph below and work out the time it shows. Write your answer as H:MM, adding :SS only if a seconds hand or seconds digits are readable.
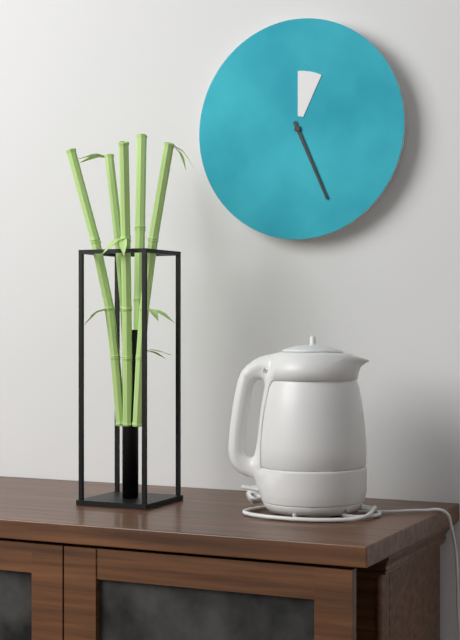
12:26
